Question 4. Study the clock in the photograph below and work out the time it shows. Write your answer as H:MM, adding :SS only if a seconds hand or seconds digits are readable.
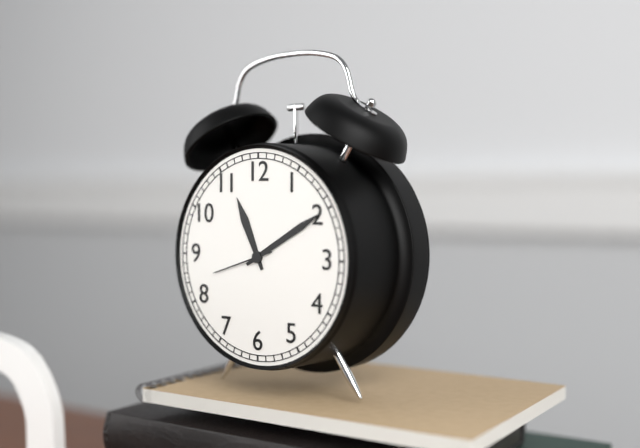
11:10:42
